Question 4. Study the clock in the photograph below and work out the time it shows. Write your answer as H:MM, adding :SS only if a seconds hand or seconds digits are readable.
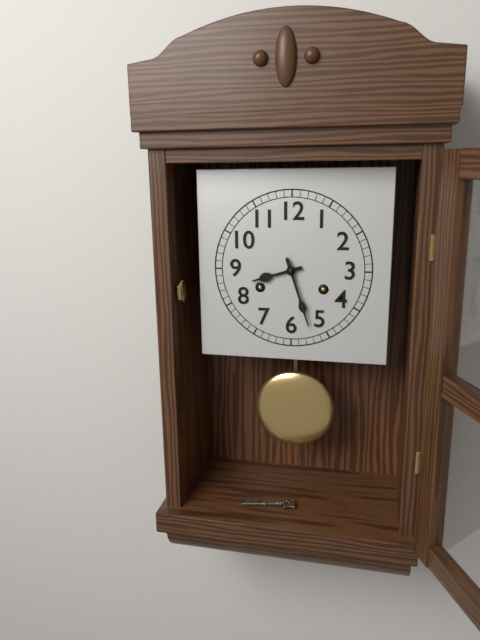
8:27
